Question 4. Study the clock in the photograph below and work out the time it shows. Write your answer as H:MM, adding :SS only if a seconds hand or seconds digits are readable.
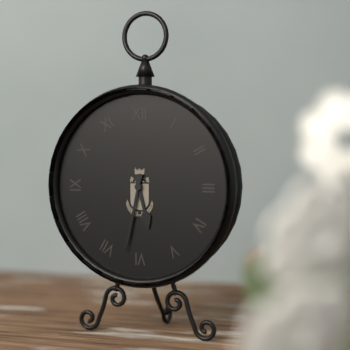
5:32
